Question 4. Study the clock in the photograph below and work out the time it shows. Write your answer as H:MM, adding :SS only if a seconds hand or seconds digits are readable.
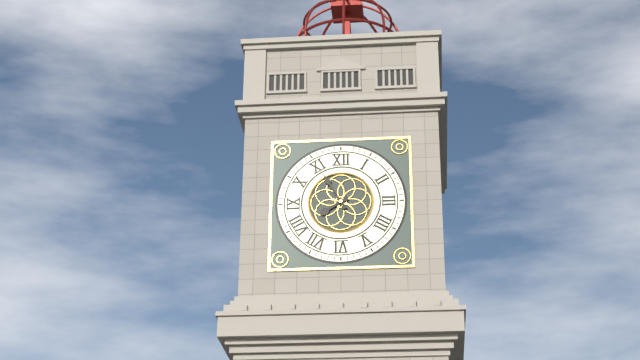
7:55
